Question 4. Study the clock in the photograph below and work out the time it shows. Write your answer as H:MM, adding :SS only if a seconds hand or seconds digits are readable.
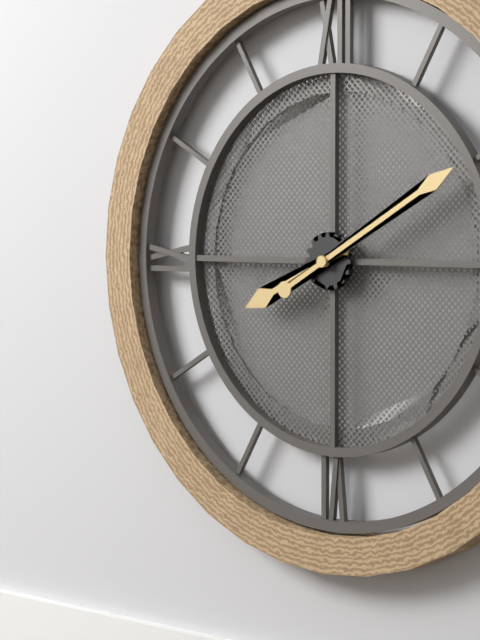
8:10
